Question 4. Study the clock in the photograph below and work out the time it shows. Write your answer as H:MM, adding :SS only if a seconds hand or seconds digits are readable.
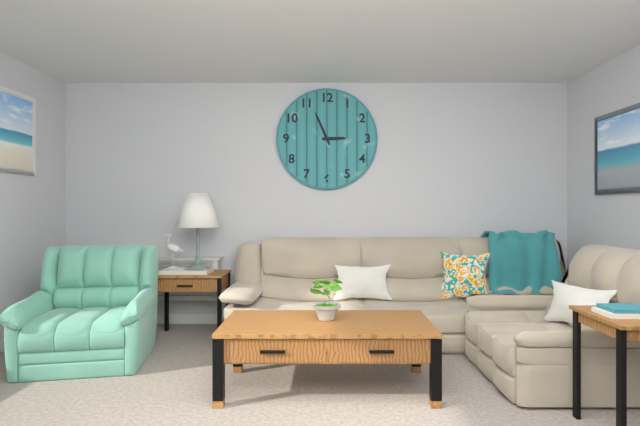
2:56
